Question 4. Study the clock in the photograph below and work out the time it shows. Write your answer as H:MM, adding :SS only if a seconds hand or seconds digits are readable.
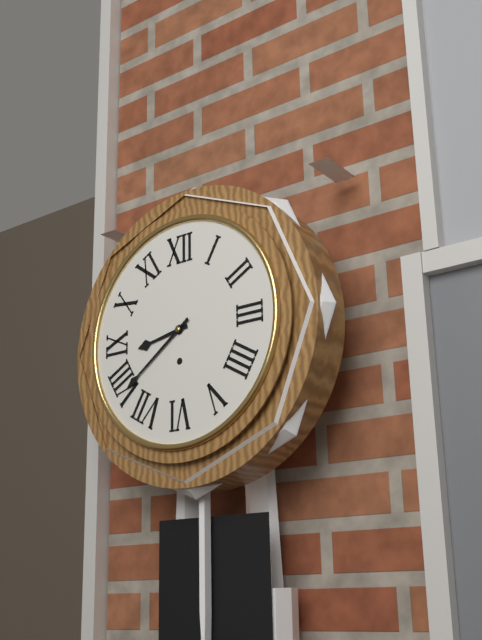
8:39
